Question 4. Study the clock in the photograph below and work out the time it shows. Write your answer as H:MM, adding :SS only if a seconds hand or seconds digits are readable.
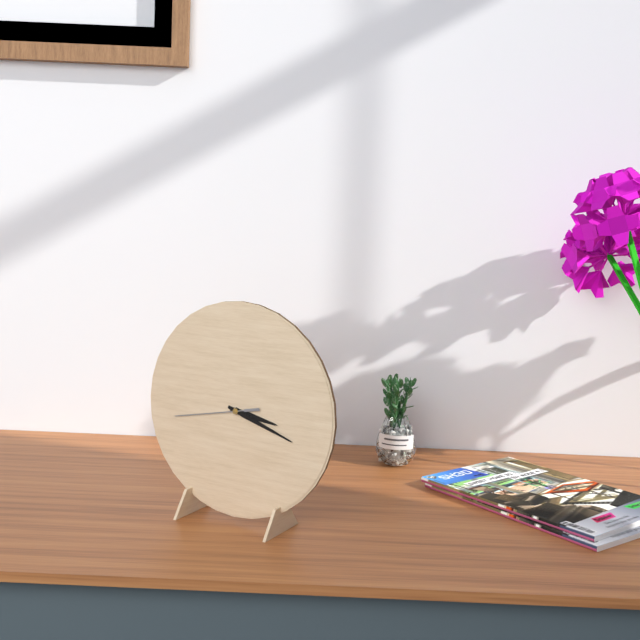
3:18:43
